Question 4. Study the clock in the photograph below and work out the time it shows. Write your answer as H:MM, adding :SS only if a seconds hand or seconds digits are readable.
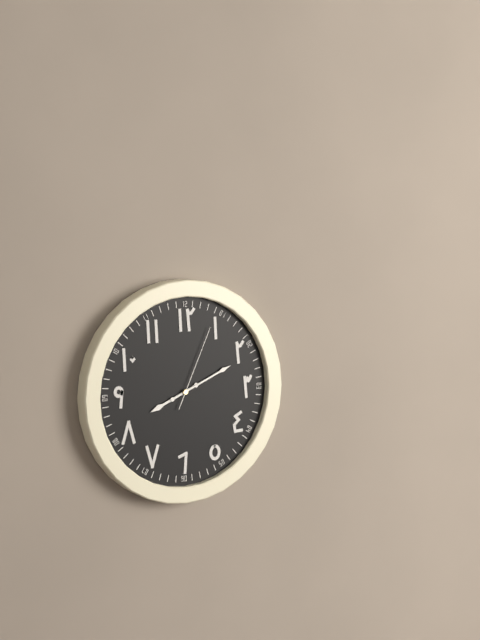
8:11:04
